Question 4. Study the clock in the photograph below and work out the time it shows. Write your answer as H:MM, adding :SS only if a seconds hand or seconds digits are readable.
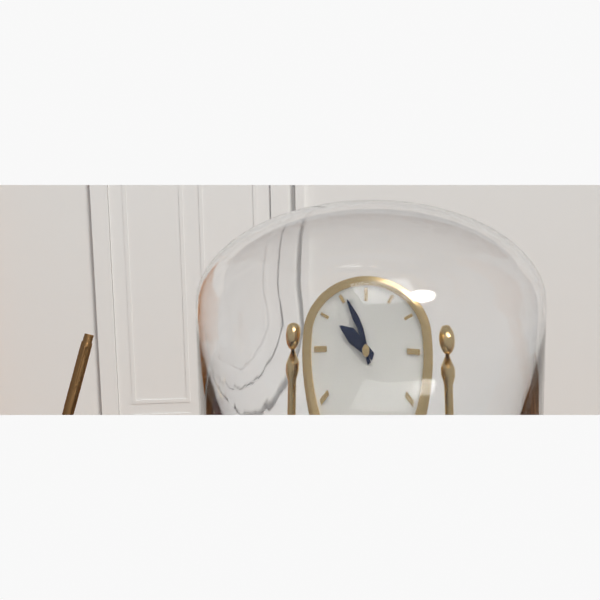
9:56
